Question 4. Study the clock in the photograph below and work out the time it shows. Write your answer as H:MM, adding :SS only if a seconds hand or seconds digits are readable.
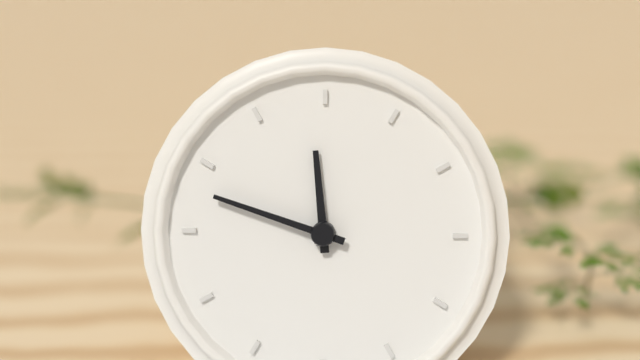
11:48
